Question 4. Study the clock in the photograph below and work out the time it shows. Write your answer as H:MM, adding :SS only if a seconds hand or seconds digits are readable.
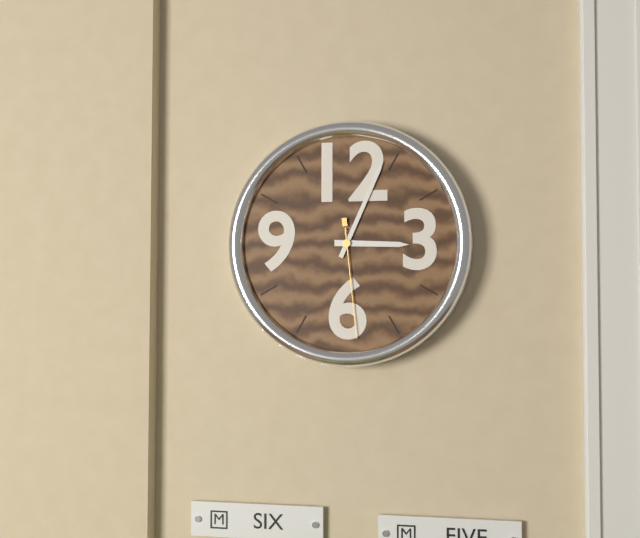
3:04:29
